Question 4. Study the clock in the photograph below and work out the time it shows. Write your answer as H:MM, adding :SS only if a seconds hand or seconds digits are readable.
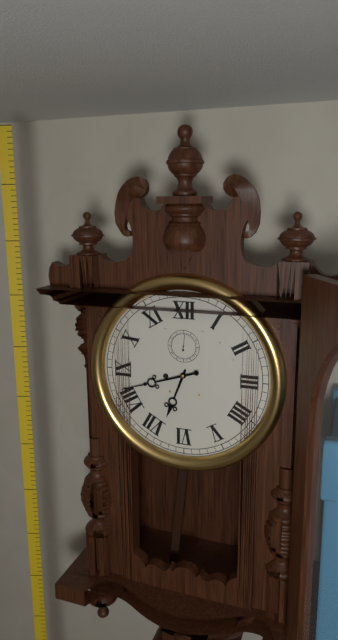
6:42
